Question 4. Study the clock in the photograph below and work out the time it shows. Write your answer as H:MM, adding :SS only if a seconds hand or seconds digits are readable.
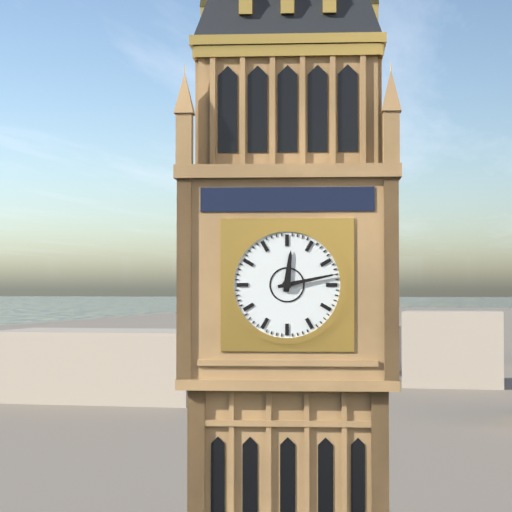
12:13
